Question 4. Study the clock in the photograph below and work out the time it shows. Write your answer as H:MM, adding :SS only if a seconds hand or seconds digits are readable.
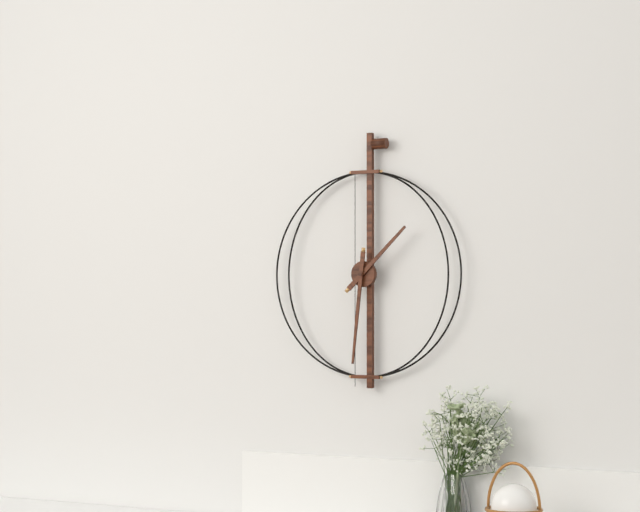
1:31
